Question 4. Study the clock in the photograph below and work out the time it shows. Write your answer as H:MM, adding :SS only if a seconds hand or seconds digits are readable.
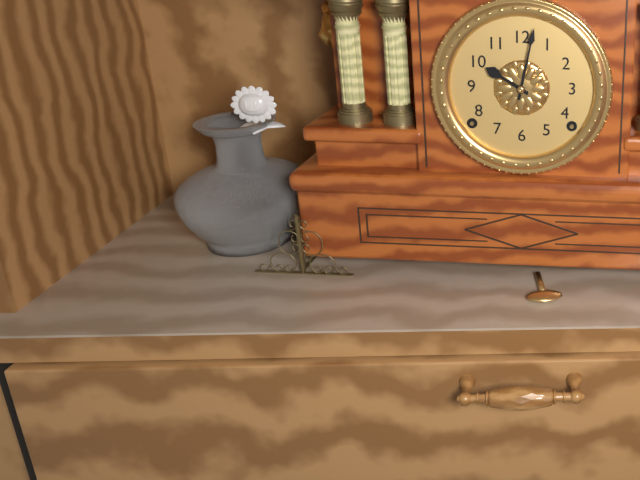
10:02
